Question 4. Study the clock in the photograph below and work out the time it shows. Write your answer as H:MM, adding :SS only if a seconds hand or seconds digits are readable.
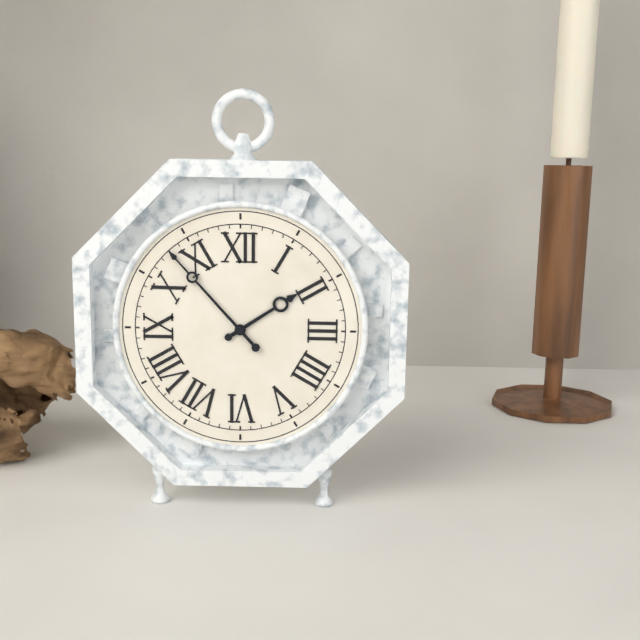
1:53
